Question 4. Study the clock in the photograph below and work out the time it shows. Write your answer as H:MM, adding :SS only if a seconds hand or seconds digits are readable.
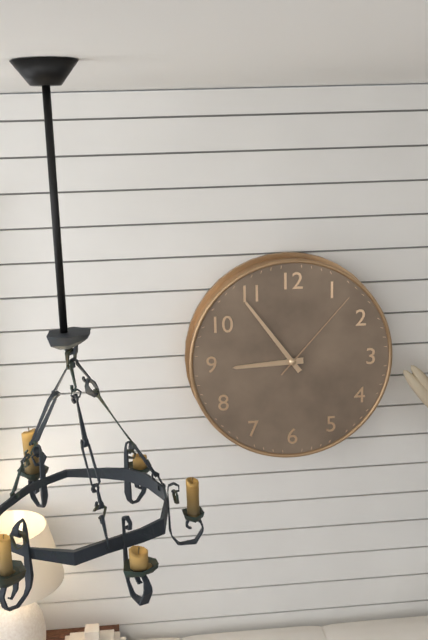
8:54:07
